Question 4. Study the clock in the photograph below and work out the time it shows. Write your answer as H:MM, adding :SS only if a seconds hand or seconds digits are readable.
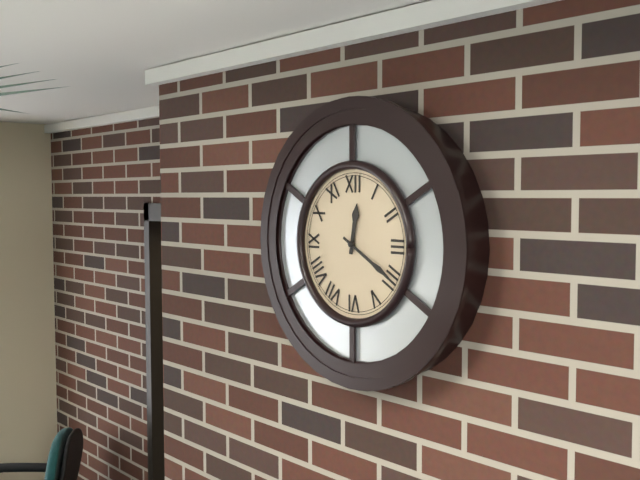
12:20
